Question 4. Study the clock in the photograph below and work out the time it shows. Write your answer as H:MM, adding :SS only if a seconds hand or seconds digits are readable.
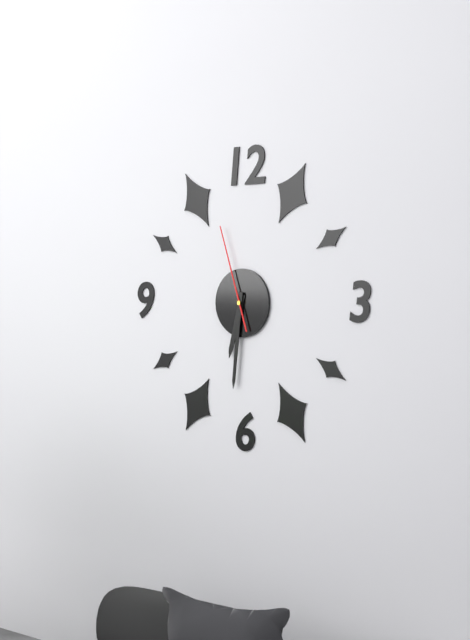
6:31:57
